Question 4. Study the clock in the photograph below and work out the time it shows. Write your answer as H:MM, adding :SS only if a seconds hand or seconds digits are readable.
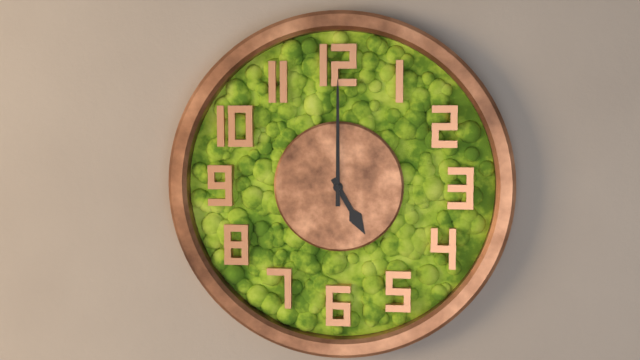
5:00
